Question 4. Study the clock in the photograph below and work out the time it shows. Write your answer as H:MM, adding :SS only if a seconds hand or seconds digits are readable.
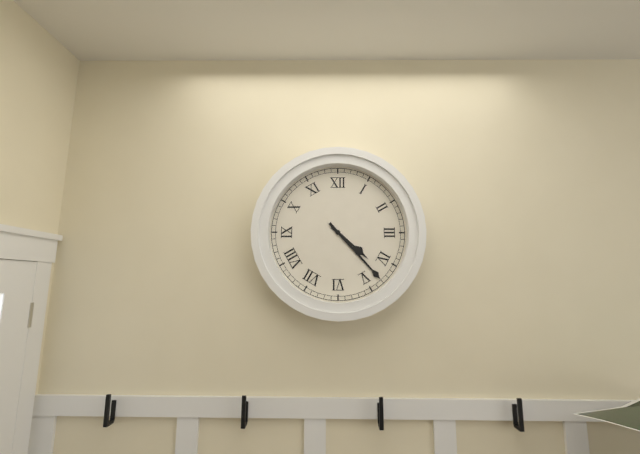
4:23
